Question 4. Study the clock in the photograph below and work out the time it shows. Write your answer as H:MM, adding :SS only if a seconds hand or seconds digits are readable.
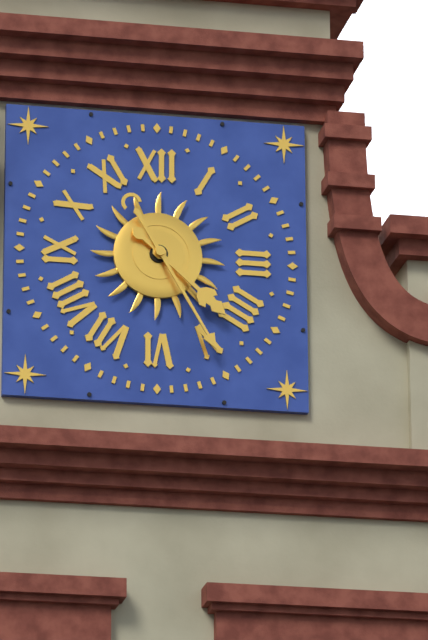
4:25
